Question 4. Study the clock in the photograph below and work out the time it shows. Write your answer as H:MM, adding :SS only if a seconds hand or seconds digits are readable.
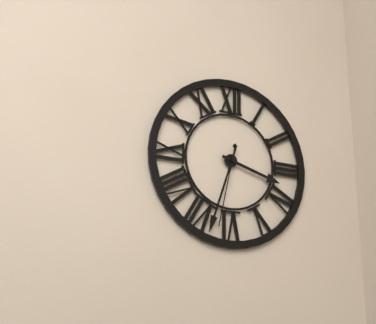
3:33:32
